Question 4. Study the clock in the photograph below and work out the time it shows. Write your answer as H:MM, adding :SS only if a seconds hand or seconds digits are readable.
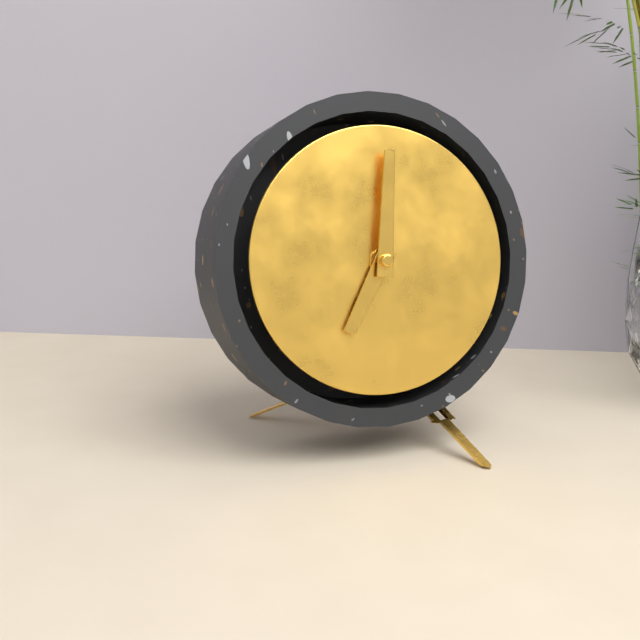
7:01
